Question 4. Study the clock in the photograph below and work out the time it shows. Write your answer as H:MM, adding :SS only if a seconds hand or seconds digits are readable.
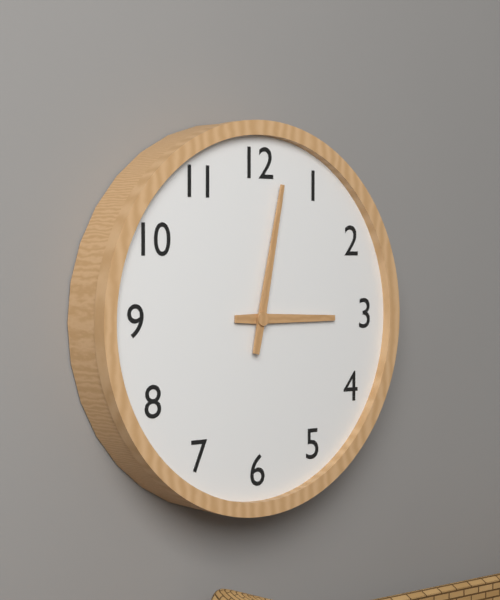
3:02
